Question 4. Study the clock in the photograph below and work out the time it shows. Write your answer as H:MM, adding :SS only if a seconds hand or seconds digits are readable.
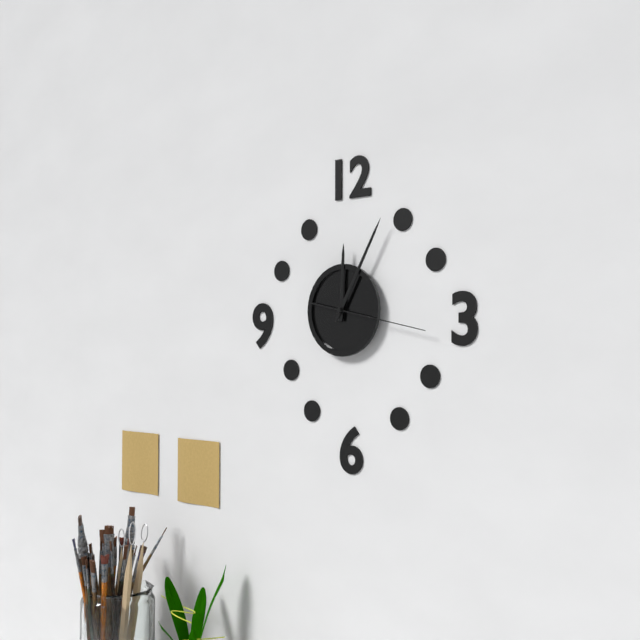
12:05:17
